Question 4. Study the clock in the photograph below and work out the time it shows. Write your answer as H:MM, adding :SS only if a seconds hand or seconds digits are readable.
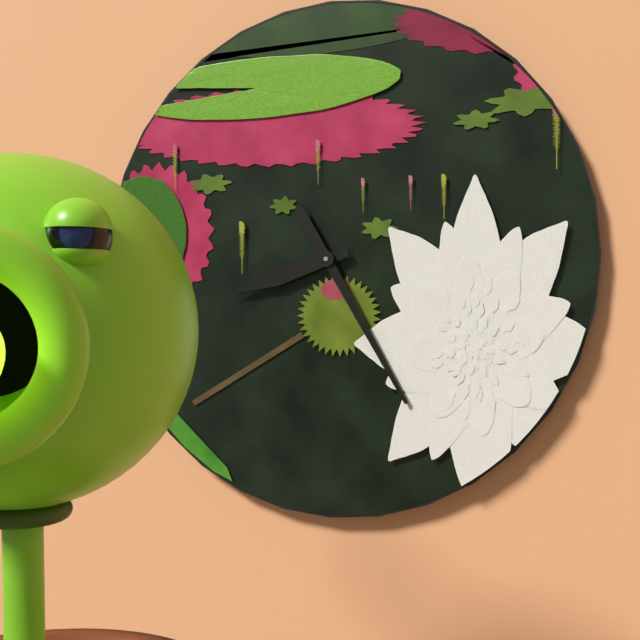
8:25
